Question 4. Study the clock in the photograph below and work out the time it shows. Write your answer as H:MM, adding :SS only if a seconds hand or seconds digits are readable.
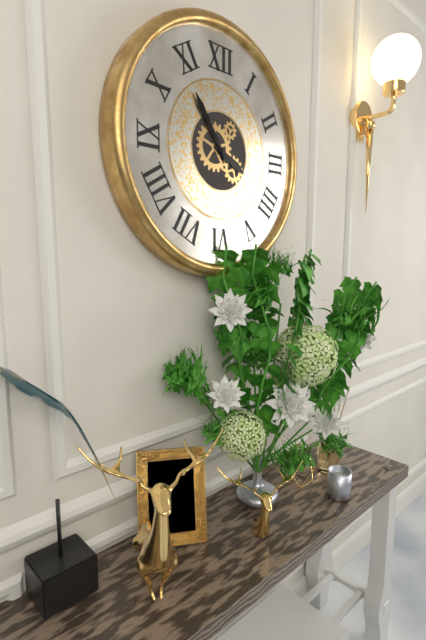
3:54
